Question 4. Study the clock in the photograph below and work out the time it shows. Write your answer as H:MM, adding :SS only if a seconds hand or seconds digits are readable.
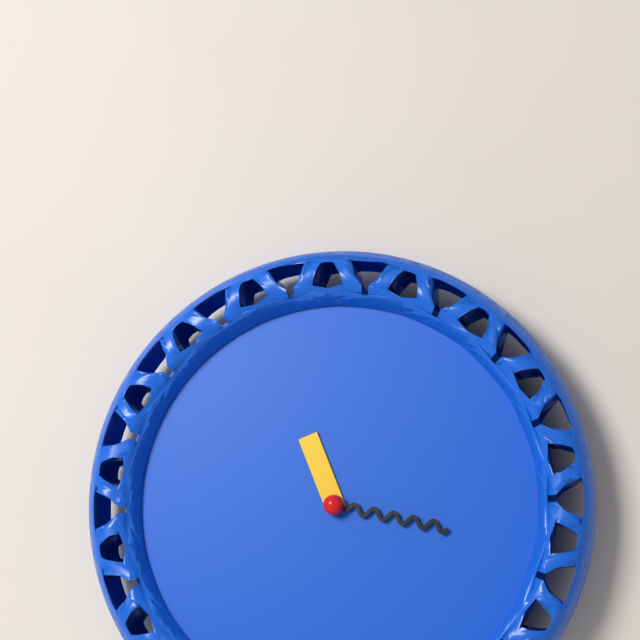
11:17
